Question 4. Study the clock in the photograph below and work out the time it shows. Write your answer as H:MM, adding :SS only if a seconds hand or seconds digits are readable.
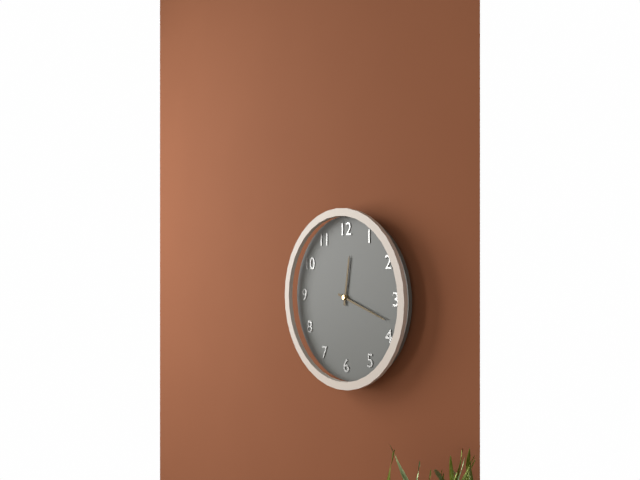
12:18
